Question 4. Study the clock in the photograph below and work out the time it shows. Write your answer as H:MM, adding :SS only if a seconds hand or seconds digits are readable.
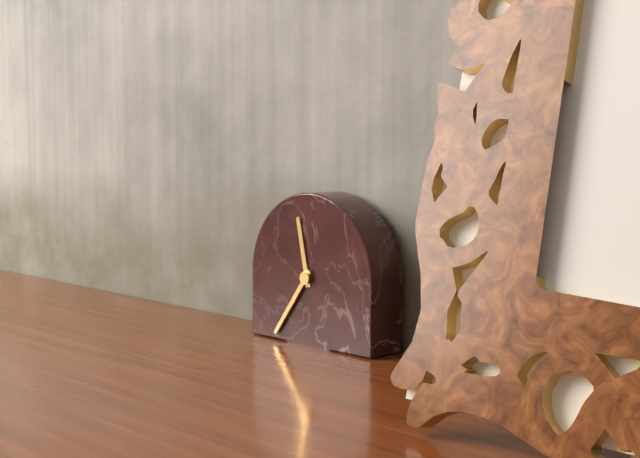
11:36
